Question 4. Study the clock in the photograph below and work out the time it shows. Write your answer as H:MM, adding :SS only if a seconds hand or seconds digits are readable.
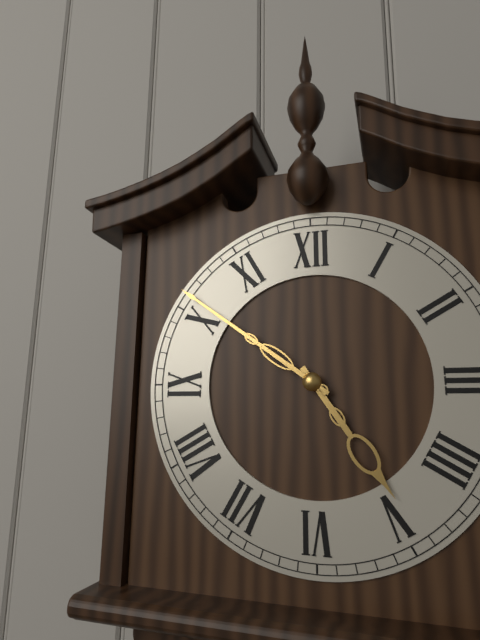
4:51
